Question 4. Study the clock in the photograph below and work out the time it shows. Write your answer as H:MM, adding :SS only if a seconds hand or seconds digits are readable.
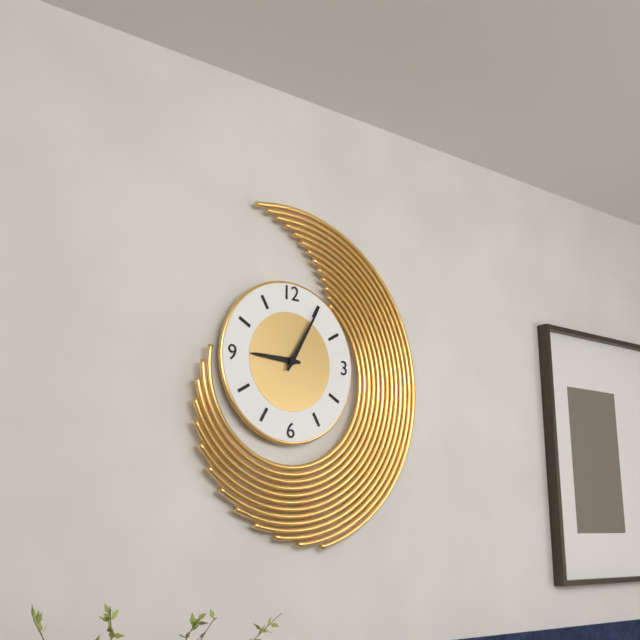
9:05
